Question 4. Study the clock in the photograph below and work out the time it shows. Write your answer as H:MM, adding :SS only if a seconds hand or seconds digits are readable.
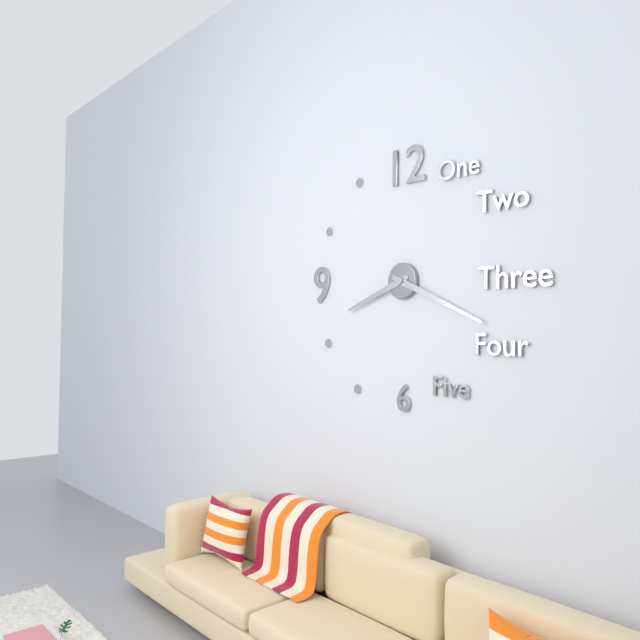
8:19
